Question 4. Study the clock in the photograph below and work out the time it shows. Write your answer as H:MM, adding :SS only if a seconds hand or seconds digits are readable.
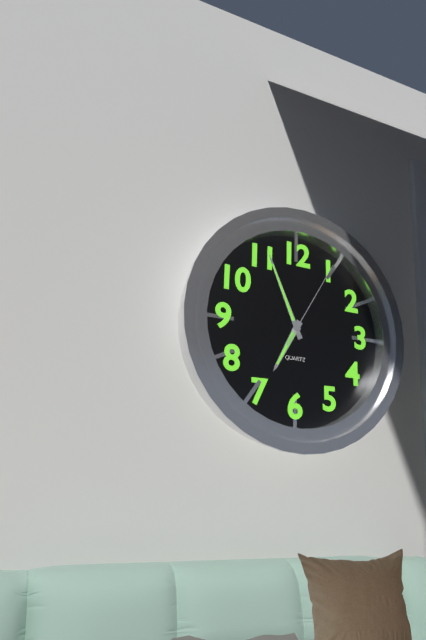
6:56:05
